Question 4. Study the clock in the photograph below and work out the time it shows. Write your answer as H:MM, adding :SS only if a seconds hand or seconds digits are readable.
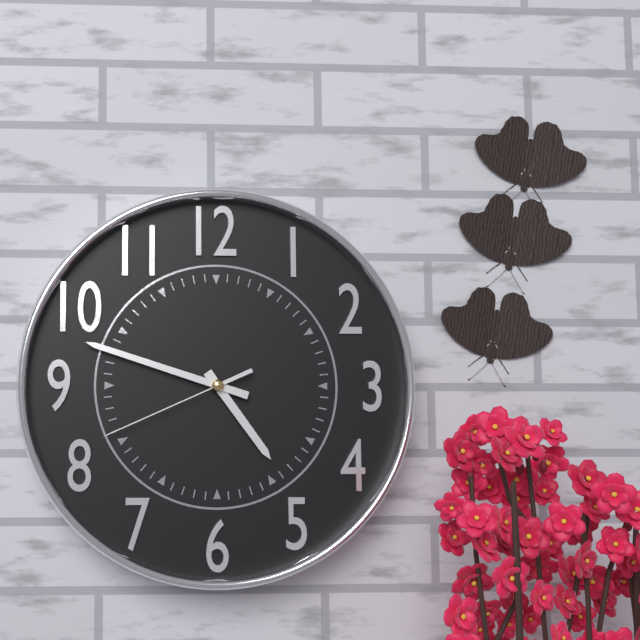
4:48:41
